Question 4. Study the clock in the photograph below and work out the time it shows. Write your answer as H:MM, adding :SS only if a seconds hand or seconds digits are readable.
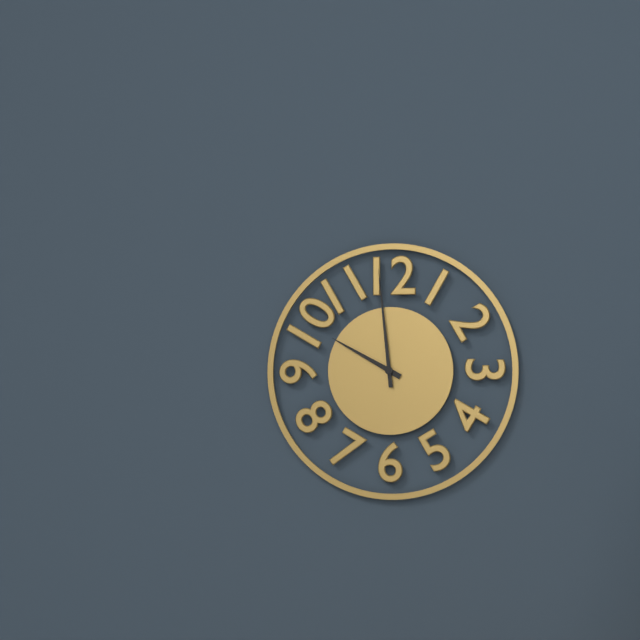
9:59
